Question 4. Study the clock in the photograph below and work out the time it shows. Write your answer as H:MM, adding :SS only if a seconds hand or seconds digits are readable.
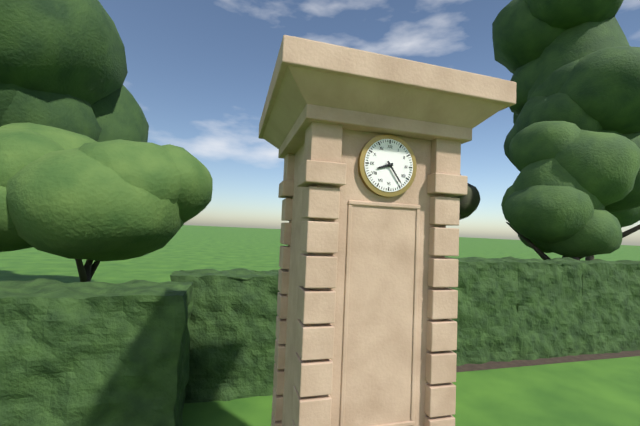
8:24
